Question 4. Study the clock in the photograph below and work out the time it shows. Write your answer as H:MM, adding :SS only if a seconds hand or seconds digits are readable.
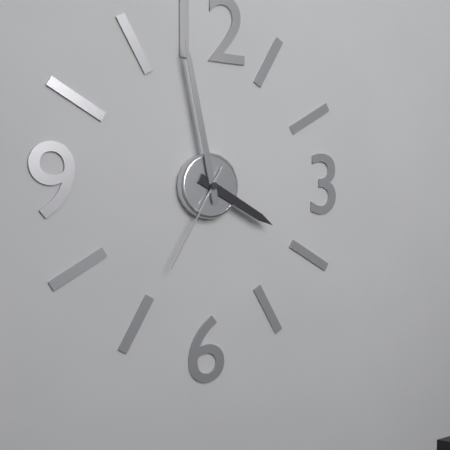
3:58:35
